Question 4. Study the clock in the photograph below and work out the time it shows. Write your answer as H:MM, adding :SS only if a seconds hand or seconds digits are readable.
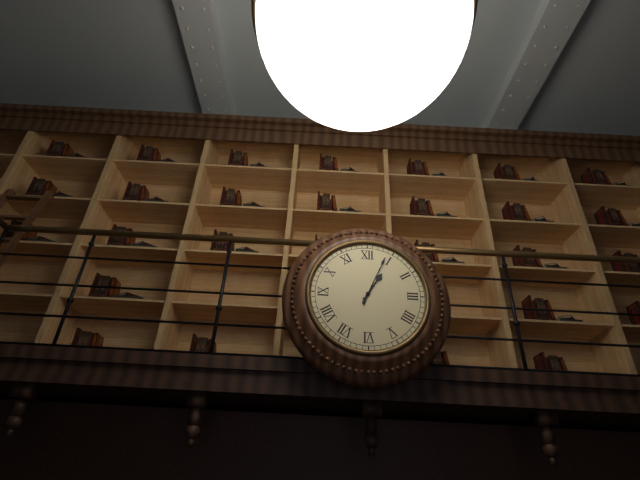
1:04
